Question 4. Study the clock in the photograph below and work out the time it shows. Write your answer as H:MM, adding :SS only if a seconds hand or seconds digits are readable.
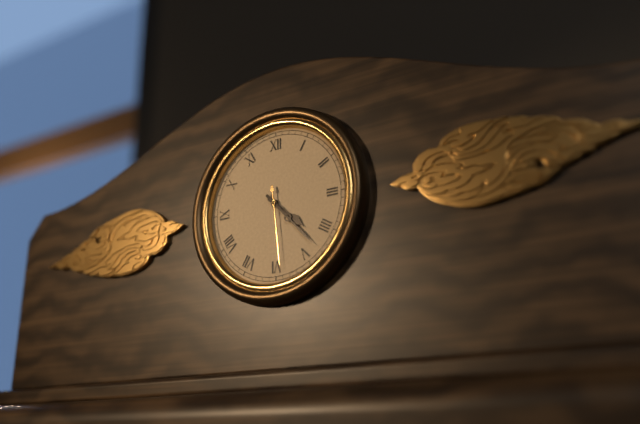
4:23:29
